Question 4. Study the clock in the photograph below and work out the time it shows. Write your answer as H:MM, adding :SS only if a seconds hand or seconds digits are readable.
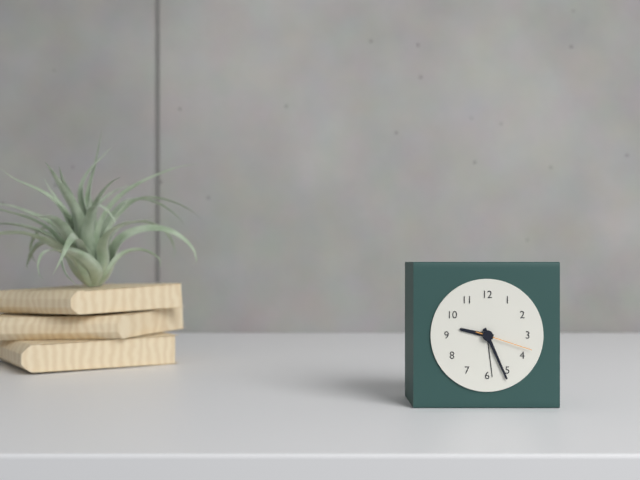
9:26:18
